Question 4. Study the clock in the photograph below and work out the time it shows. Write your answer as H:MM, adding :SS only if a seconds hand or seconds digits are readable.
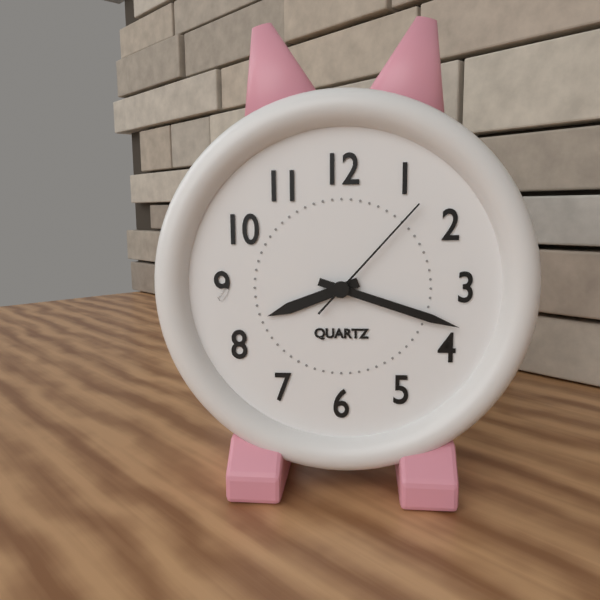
8:18:07
